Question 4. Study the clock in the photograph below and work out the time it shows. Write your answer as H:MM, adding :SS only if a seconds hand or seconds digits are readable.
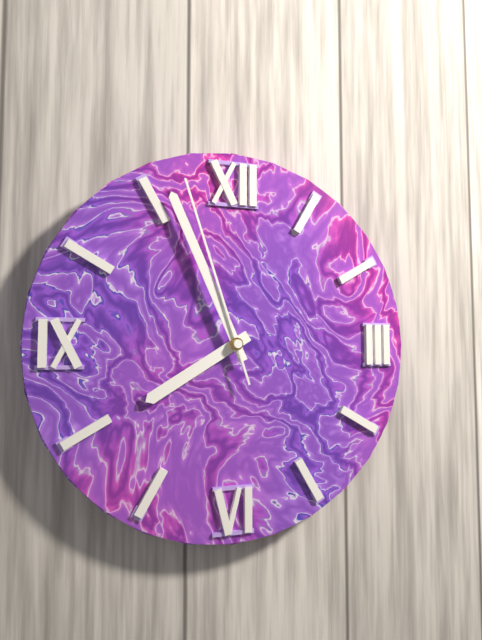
7:56:57
